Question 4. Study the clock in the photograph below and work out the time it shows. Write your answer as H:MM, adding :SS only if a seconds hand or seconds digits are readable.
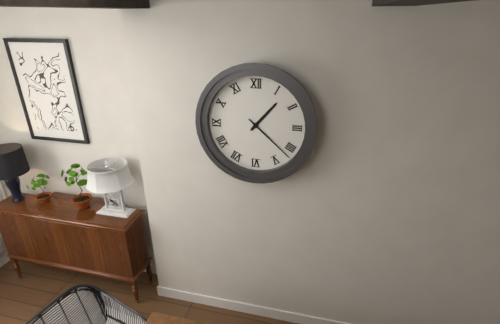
1:22
